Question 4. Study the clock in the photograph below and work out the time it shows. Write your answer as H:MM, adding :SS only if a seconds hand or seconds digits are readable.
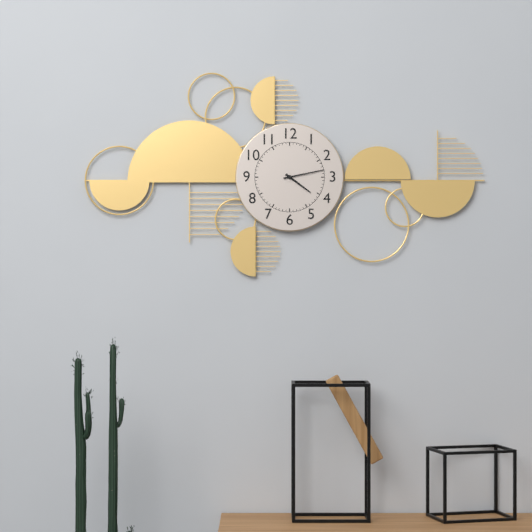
4:13
